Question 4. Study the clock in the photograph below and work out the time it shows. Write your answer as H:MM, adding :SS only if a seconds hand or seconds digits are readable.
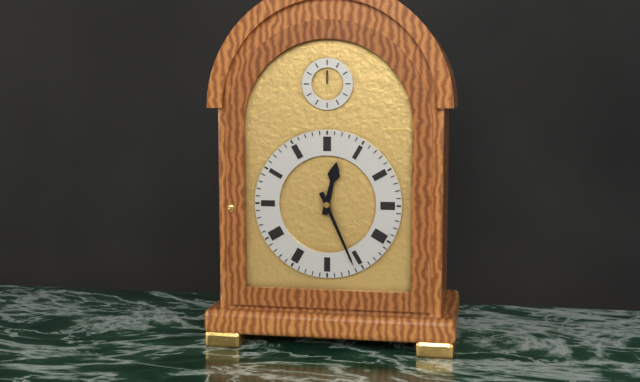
12:26
